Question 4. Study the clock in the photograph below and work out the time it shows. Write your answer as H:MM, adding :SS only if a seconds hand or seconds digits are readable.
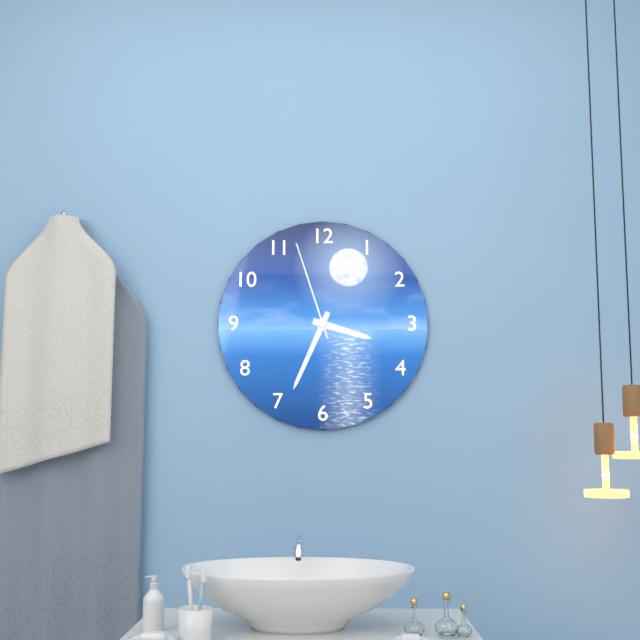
3:34:57
